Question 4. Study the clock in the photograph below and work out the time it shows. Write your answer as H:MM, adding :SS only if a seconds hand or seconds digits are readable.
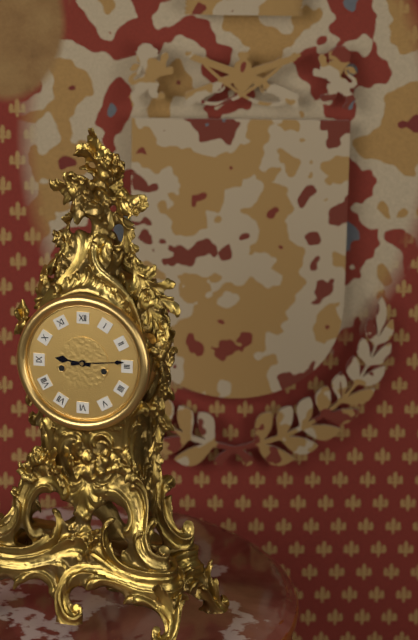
9:14
